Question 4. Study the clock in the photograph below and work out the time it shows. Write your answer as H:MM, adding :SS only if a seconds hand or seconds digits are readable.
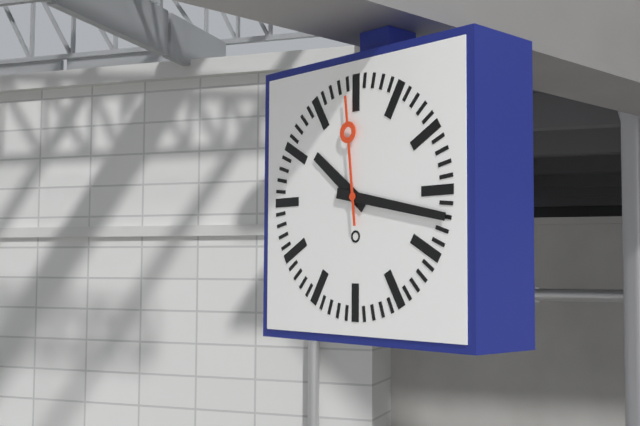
10:17:59
